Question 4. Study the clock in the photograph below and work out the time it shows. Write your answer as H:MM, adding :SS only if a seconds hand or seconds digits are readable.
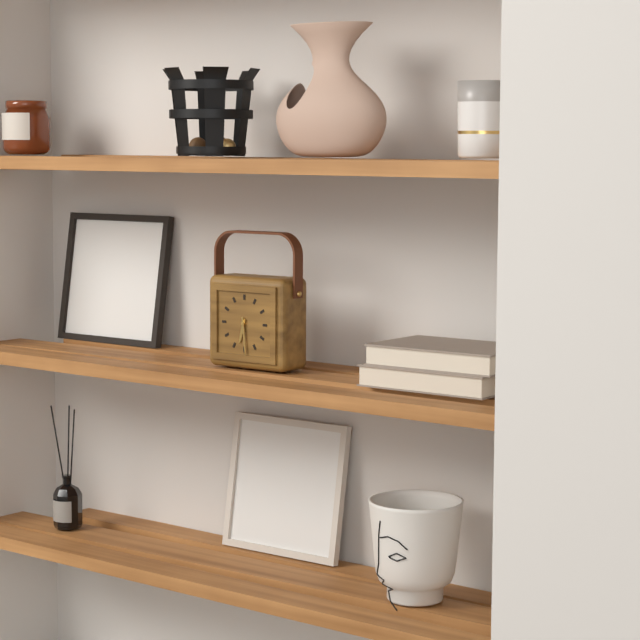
6:29
